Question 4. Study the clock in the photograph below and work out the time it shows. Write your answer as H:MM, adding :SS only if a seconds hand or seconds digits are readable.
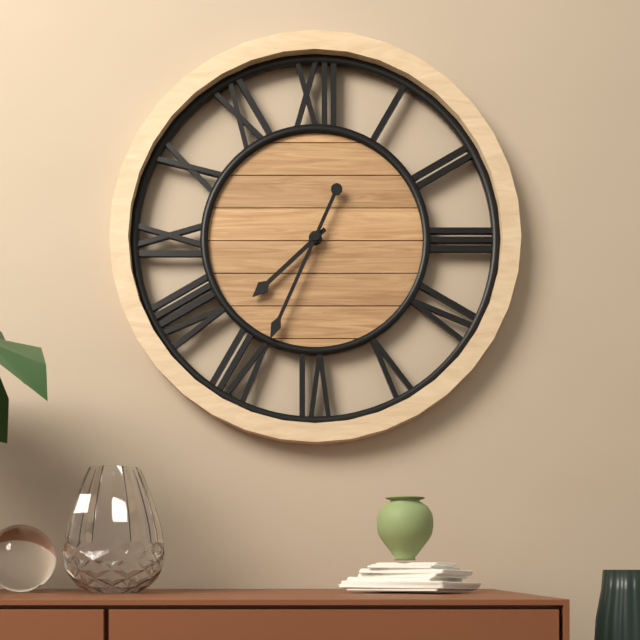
7:34
